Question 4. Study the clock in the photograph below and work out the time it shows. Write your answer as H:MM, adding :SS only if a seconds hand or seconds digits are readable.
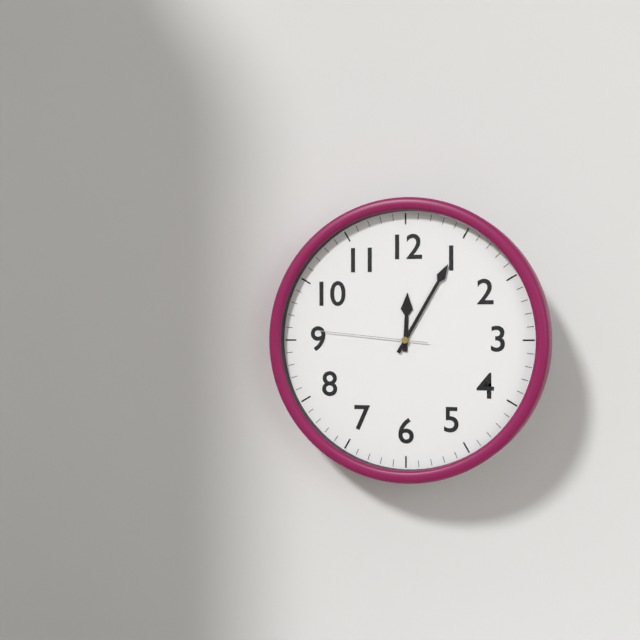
12:05:46
